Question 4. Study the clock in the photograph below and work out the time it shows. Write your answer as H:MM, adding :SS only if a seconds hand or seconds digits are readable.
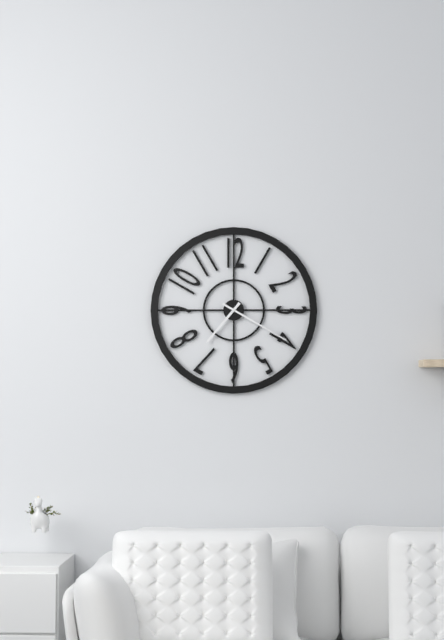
7:20
